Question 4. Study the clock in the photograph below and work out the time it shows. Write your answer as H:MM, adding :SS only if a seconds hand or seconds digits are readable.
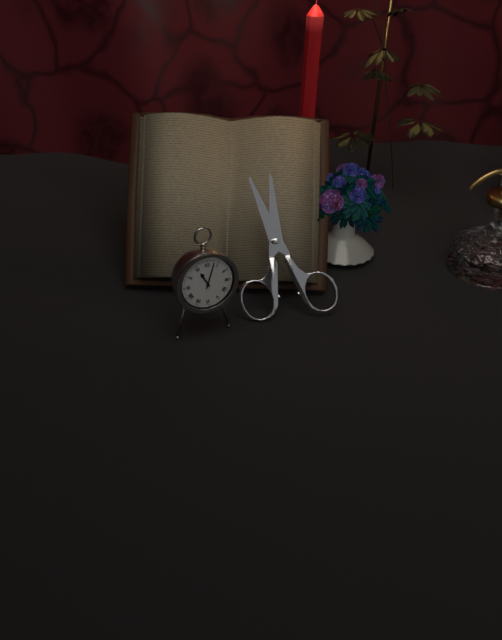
11:03
